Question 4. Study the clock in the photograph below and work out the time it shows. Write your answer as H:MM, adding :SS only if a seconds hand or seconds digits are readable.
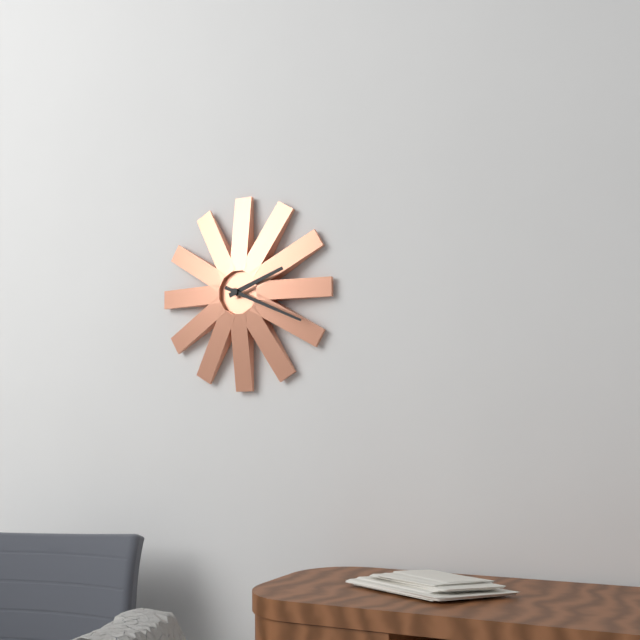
2:19
